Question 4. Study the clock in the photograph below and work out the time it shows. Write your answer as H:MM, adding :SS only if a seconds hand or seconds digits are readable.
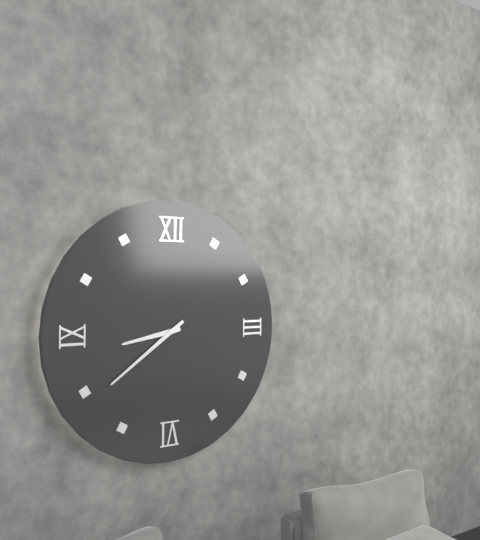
8:39
